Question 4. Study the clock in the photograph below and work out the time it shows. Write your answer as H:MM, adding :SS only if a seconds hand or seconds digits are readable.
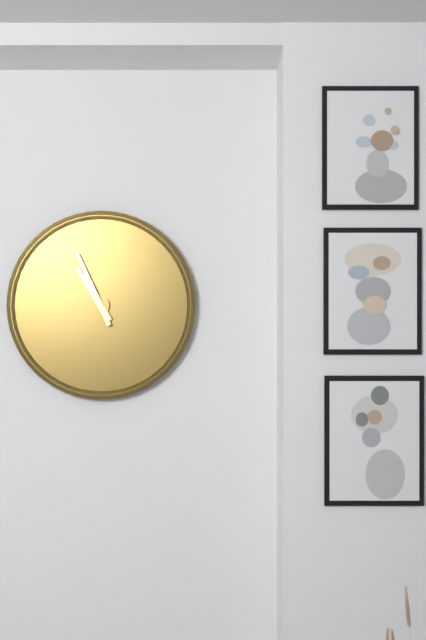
10:56
